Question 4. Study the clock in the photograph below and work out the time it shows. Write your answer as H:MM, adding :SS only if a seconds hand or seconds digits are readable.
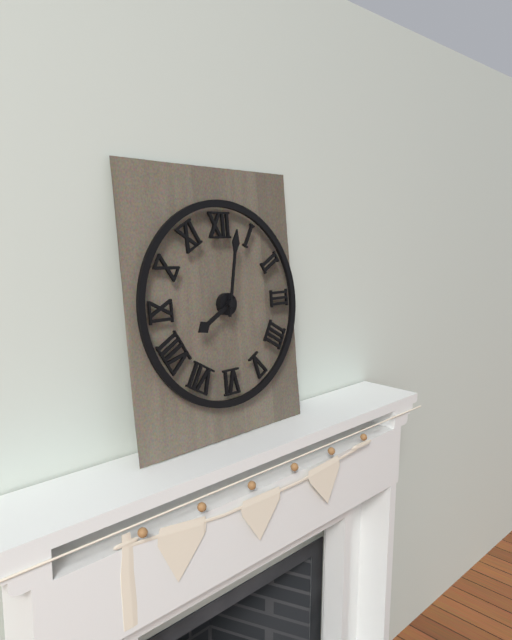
8:02
